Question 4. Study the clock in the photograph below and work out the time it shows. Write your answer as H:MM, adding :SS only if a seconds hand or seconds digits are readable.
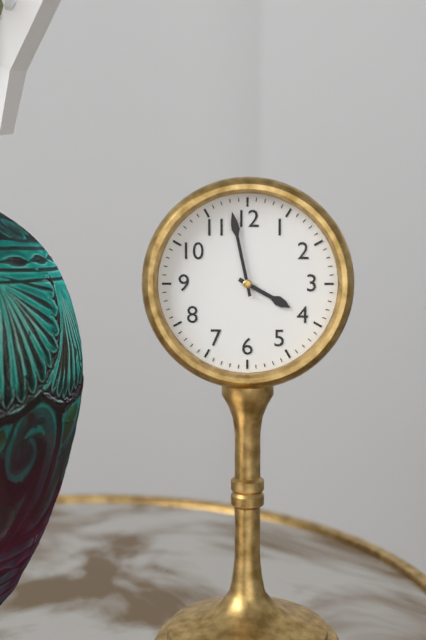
3:58
